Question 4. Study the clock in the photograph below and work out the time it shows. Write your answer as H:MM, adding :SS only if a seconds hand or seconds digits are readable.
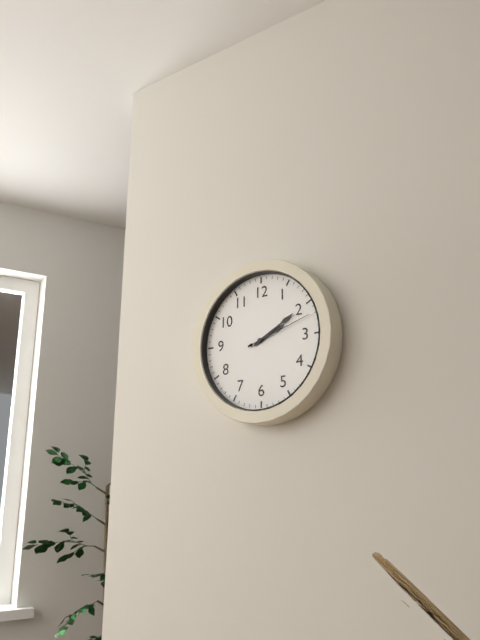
2:10:12
